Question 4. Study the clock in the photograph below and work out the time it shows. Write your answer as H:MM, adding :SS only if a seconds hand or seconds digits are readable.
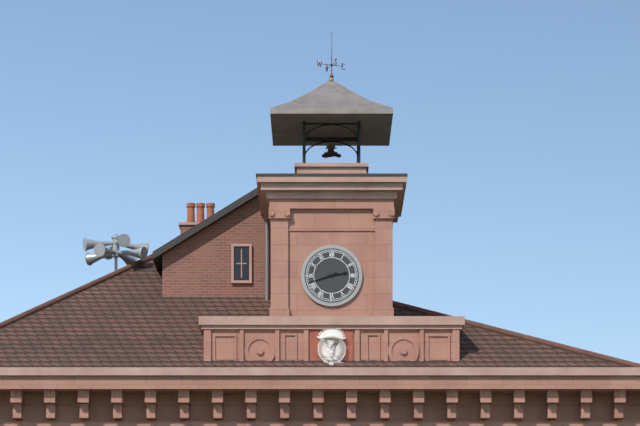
2:42
